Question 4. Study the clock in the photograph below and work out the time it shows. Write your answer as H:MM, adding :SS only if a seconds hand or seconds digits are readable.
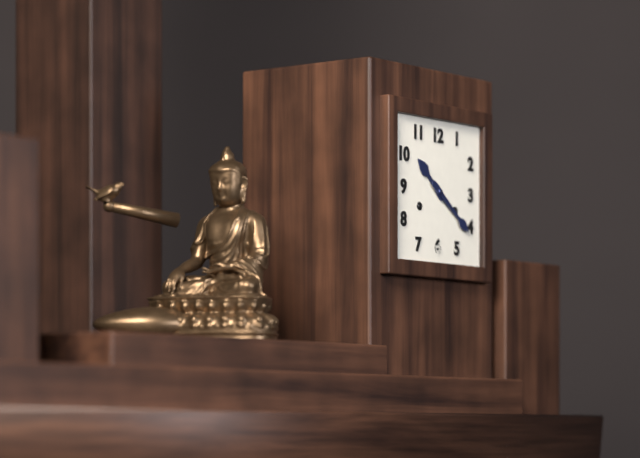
10:21
